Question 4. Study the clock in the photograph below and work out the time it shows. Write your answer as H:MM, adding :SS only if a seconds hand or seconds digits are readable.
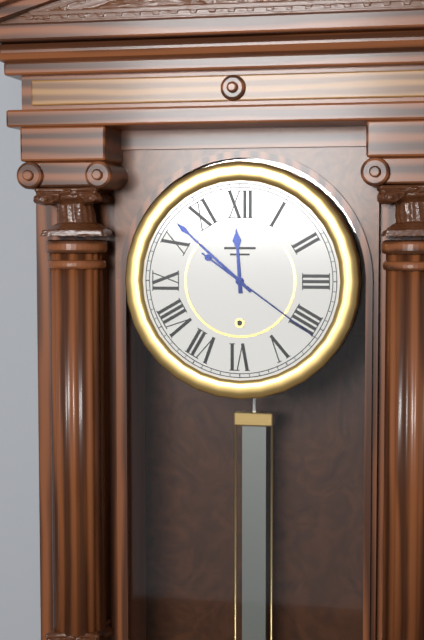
11:52:21
